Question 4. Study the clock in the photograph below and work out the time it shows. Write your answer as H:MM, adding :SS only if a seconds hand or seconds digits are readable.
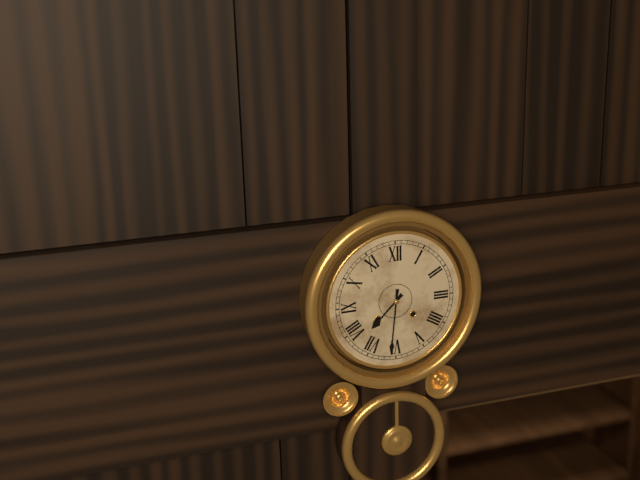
7:31
